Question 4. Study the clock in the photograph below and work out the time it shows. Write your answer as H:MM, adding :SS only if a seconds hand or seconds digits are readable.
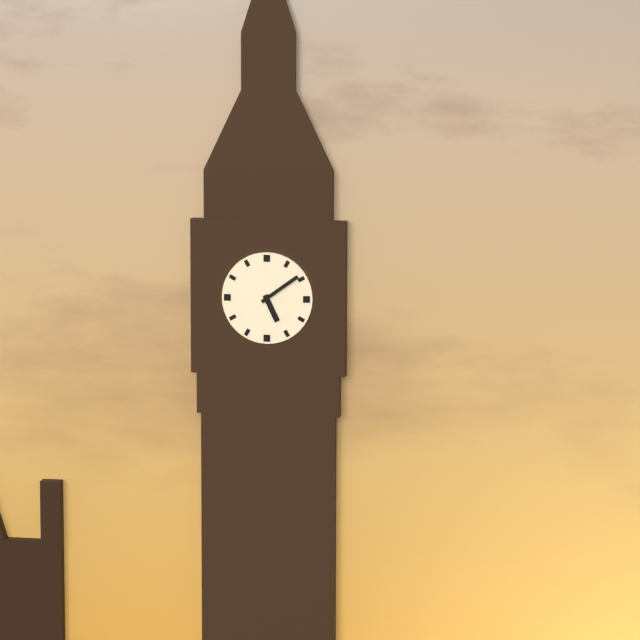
5:09
